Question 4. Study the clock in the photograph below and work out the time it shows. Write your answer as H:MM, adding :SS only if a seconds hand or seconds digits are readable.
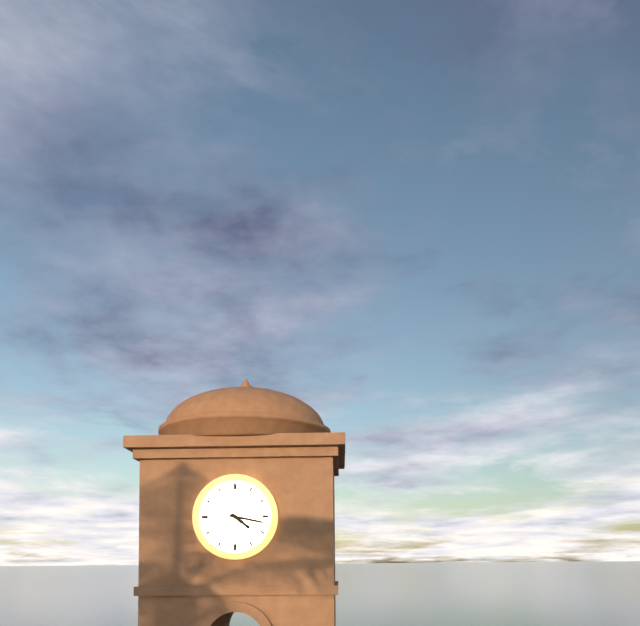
4:17
